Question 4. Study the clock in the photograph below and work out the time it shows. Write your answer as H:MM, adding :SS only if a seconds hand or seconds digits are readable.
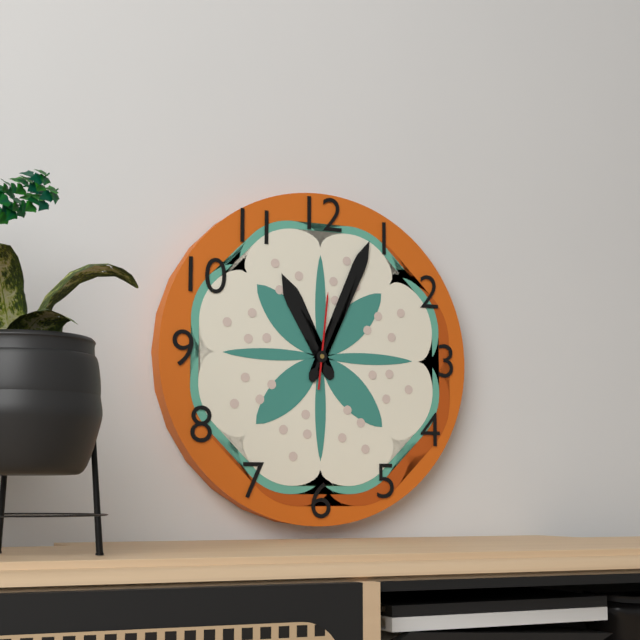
11:04:01
